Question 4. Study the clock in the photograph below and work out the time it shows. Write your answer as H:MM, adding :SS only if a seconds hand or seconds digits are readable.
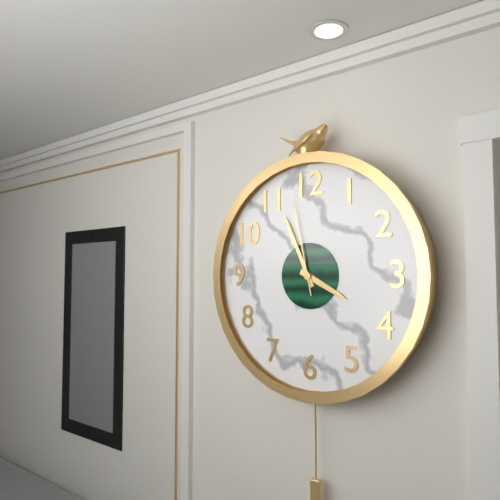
3:56:58
